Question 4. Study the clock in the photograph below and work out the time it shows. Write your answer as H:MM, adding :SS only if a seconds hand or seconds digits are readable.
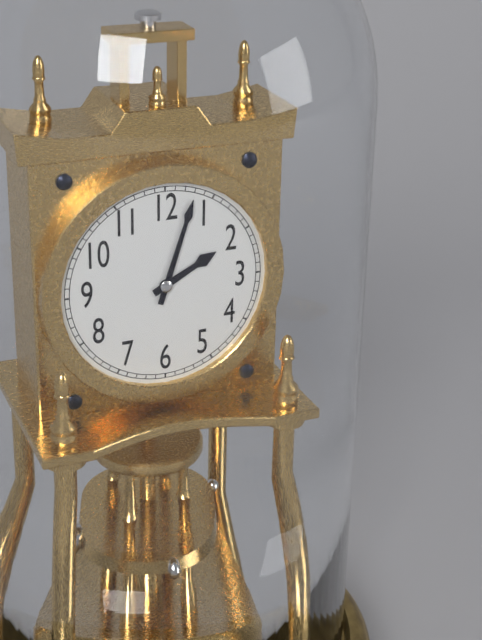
2:03
